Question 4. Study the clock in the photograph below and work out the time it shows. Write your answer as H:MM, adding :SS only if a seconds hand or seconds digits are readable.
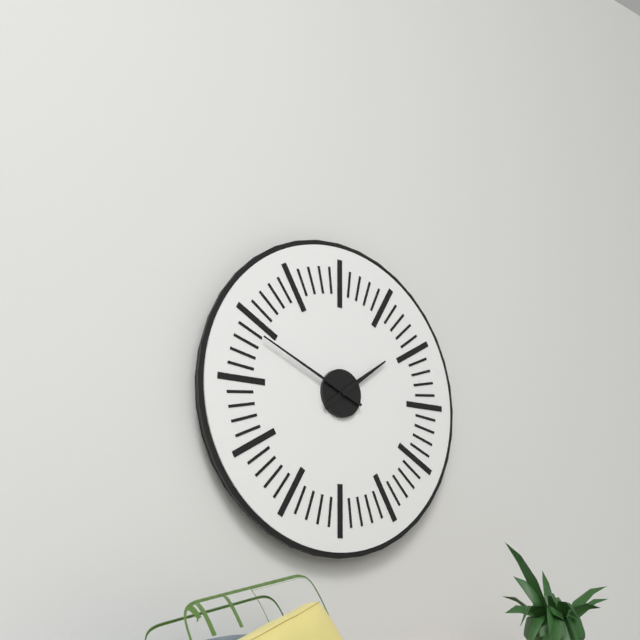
1:49
